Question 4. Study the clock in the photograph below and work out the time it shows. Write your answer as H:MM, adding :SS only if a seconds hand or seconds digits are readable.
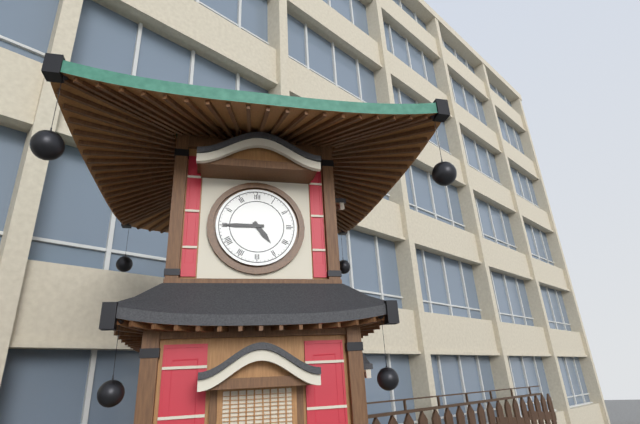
4:45
